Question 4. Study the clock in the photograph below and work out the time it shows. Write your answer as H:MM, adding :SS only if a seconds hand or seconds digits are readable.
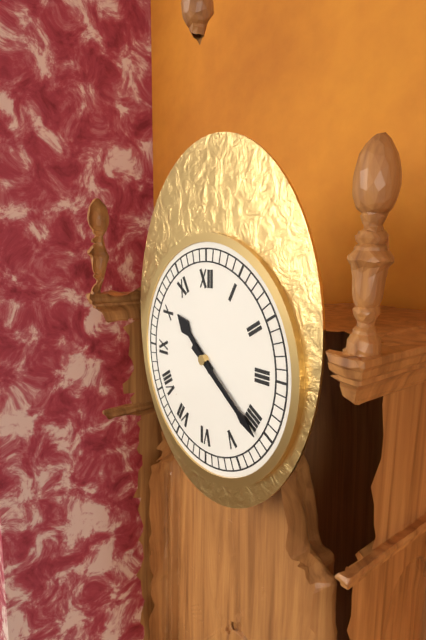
10:21
